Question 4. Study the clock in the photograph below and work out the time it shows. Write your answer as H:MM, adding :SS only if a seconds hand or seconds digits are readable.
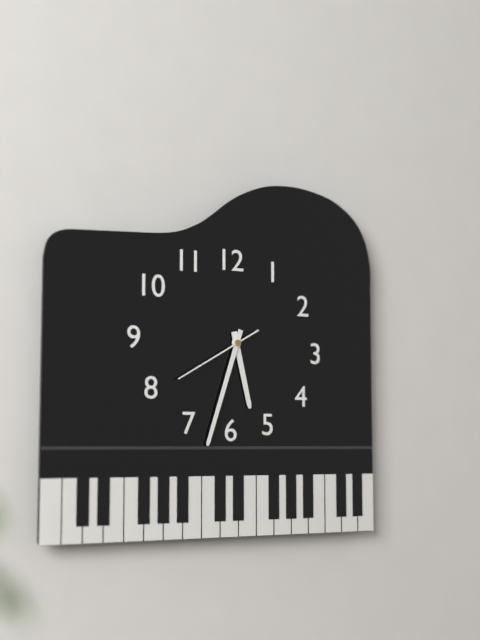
5:33:40
